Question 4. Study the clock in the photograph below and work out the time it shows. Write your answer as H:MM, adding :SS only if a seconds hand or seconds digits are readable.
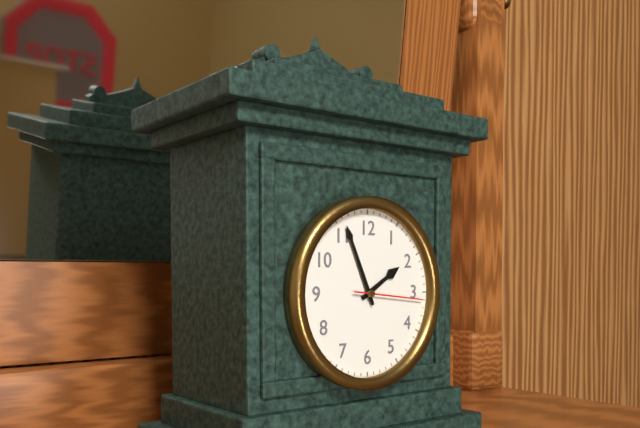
1:56:16
